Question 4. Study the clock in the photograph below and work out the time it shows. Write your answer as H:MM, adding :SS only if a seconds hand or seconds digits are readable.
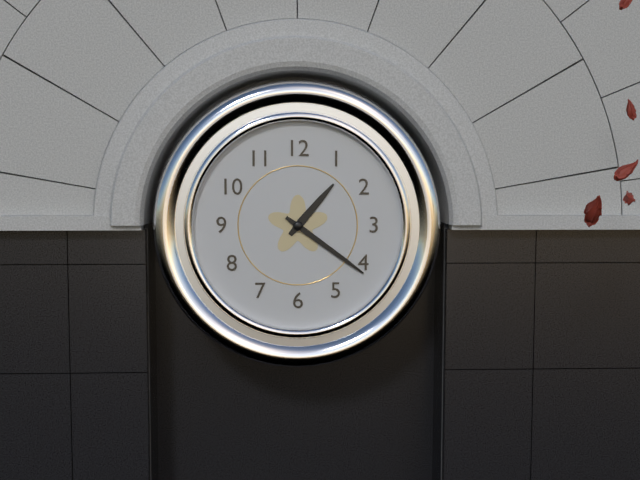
1:21
